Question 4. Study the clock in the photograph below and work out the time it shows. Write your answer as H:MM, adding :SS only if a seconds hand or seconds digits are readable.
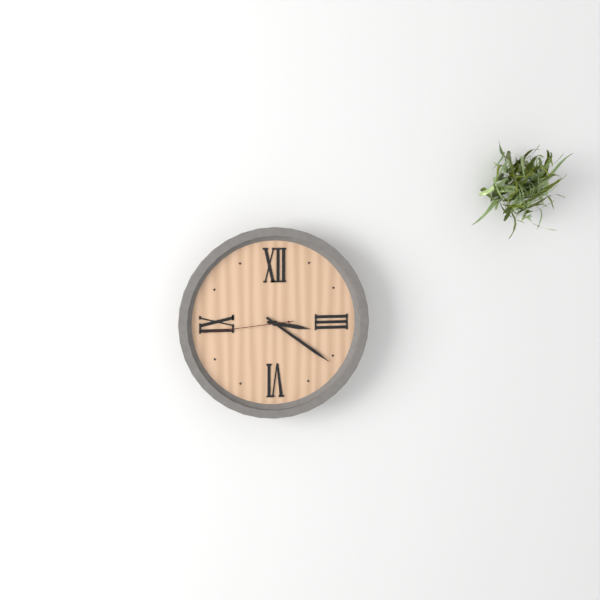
3:21:44
